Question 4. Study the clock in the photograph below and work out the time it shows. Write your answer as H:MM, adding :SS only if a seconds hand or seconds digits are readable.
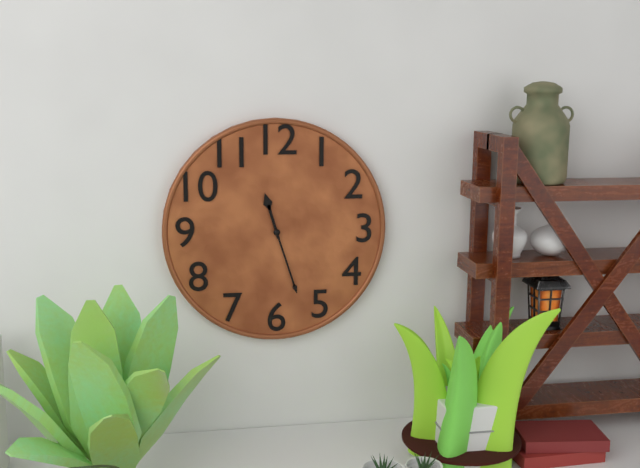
11:27
